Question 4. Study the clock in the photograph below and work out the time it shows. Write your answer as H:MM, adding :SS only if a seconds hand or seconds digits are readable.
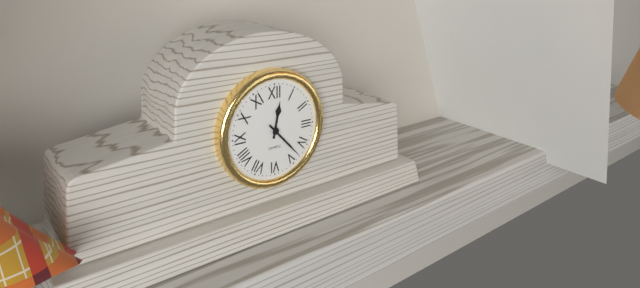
12:23
